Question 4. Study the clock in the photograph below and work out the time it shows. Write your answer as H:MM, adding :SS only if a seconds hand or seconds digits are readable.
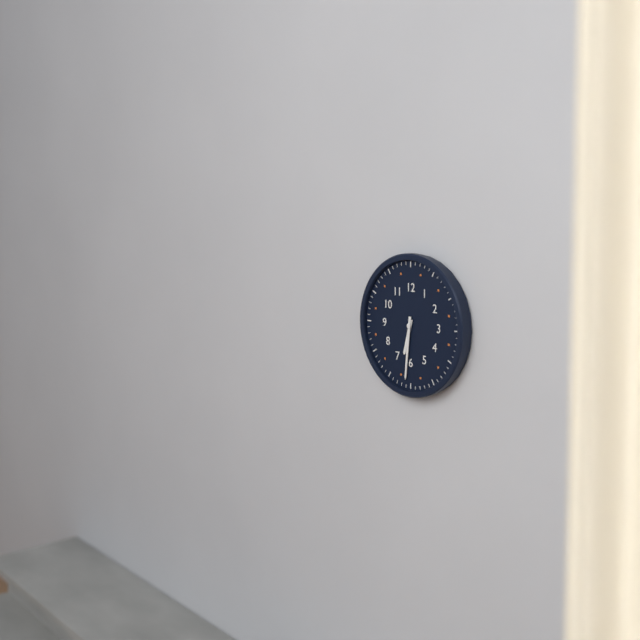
6:31
